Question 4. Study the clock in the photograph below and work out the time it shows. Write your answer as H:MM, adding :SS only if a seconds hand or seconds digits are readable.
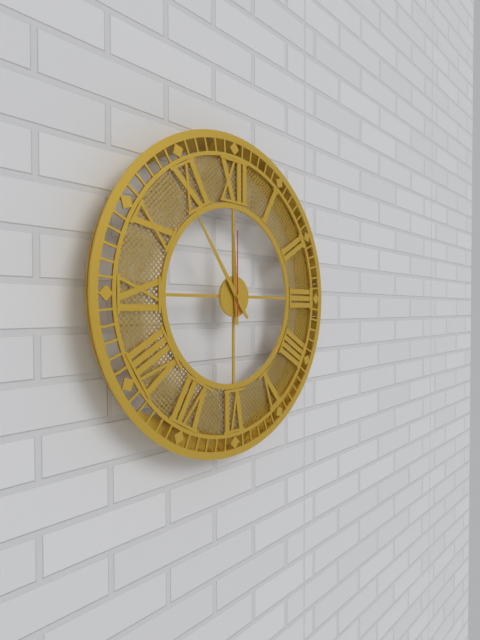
11:54:00
